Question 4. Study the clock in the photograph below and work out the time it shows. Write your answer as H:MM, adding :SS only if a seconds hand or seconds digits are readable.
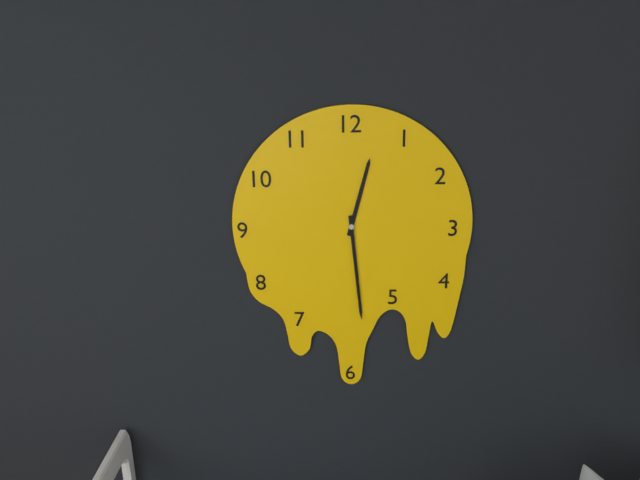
12:29
